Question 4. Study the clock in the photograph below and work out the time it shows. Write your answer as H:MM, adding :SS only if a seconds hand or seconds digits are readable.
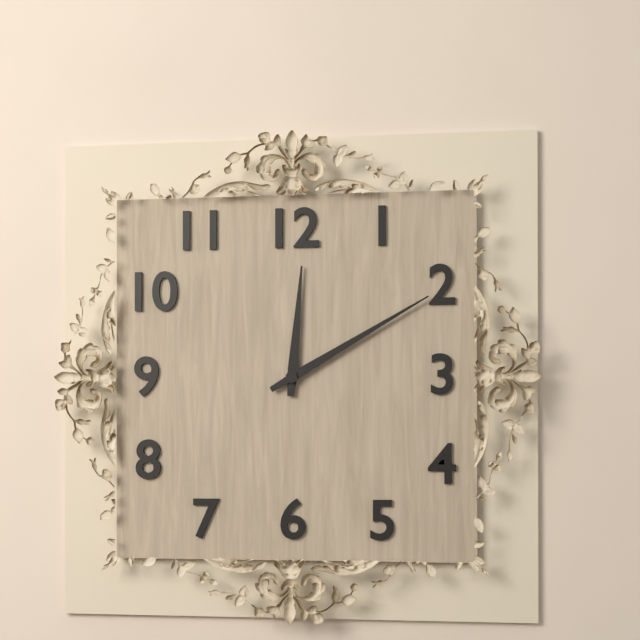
12:10
